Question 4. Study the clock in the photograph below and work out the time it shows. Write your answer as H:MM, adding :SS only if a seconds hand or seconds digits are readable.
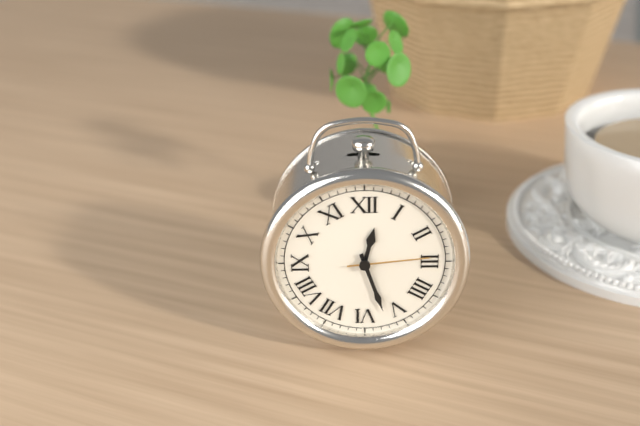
12:27:14
